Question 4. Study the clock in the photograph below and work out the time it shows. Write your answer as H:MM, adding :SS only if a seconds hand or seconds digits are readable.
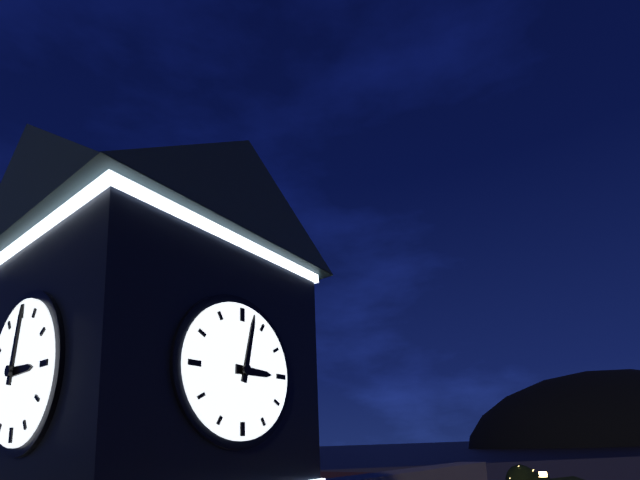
3:02
